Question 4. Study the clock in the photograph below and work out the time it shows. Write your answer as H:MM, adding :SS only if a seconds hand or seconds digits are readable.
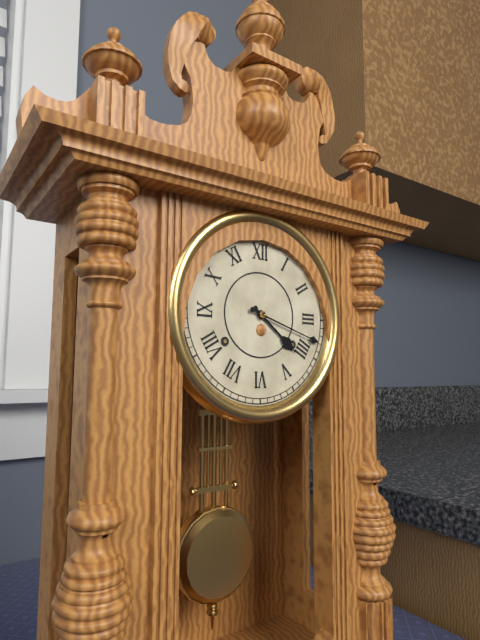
4:18
